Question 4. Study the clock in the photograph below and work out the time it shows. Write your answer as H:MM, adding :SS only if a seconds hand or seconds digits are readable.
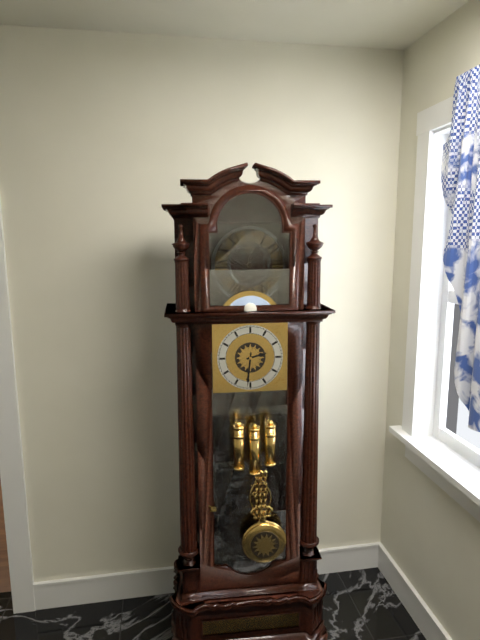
2:31
